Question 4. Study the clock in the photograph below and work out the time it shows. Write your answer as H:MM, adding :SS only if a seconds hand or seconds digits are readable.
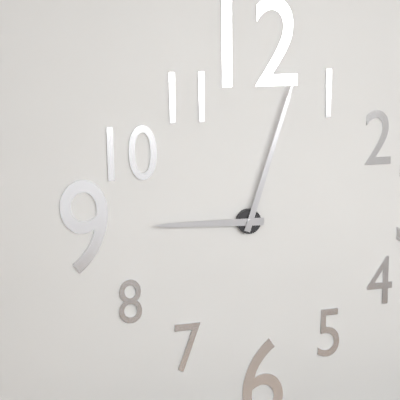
9:03
